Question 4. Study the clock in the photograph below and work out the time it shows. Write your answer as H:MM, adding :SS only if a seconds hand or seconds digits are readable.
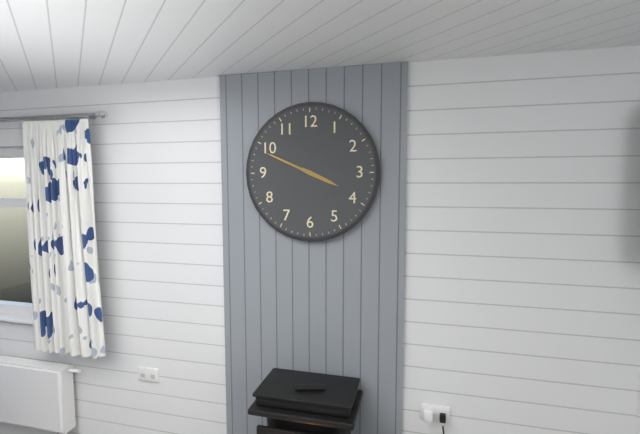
3:49
